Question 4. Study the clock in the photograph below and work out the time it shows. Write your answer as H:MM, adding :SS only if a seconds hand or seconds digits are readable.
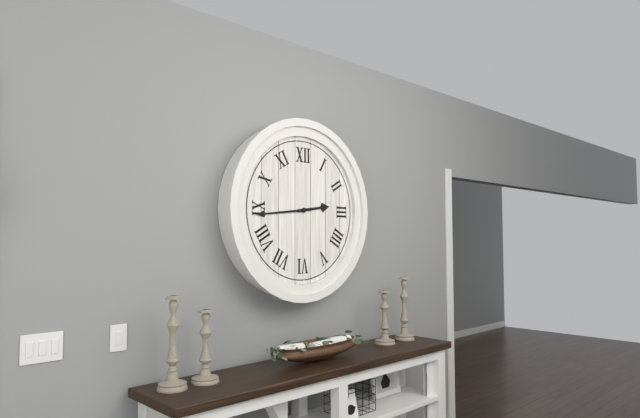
2:44
